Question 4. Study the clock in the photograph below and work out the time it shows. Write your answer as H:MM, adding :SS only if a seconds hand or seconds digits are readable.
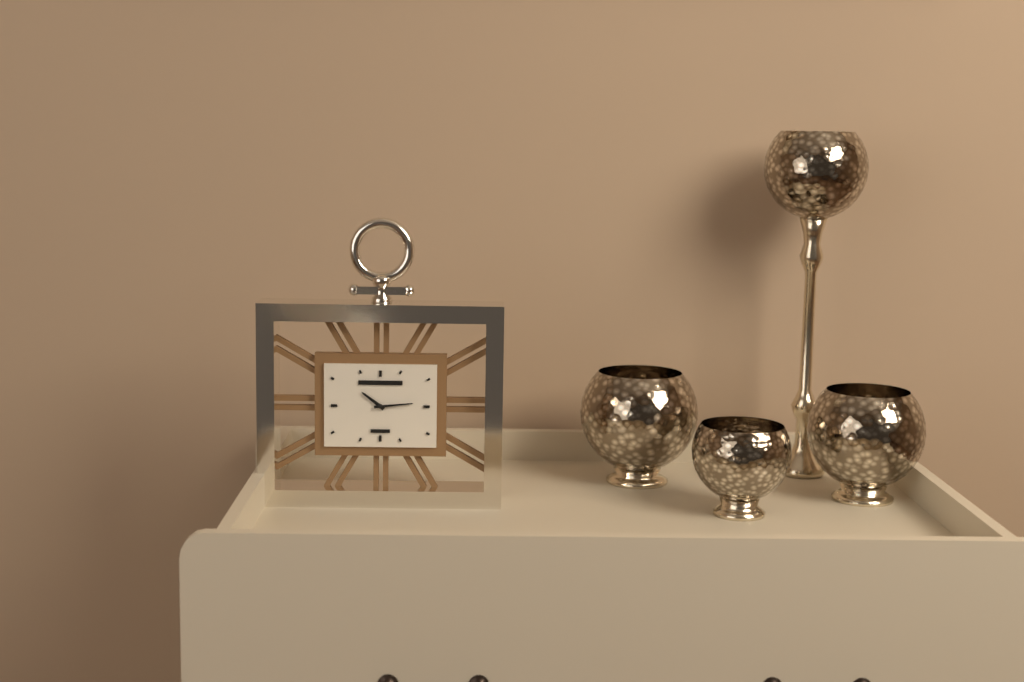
10:14
